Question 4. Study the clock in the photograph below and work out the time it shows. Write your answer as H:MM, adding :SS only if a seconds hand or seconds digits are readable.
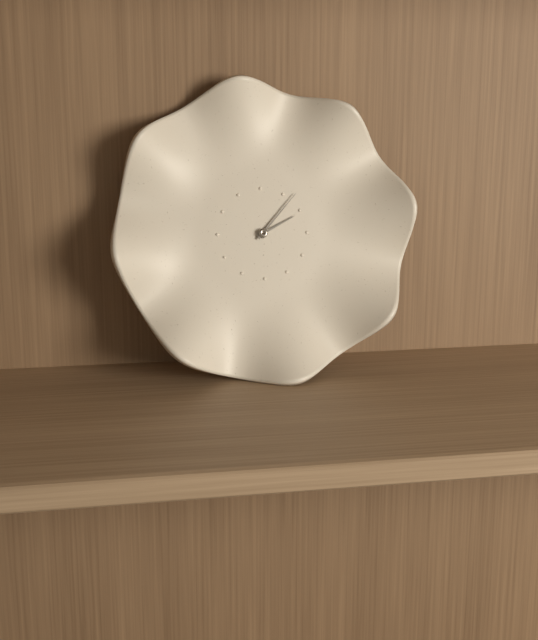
2:07
